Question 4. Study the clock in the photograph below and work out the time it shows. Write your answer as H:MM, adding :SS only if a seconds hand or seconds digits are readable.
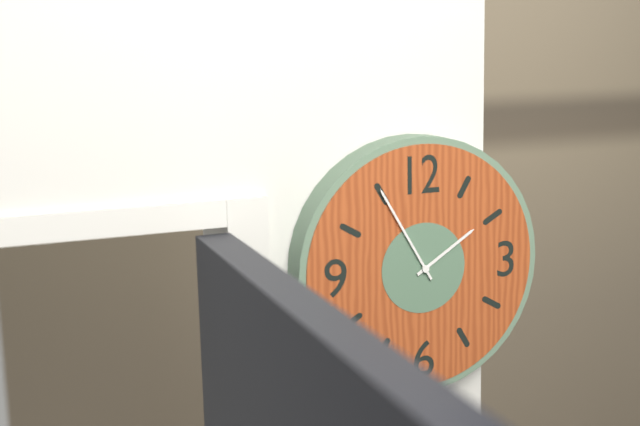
1:55
